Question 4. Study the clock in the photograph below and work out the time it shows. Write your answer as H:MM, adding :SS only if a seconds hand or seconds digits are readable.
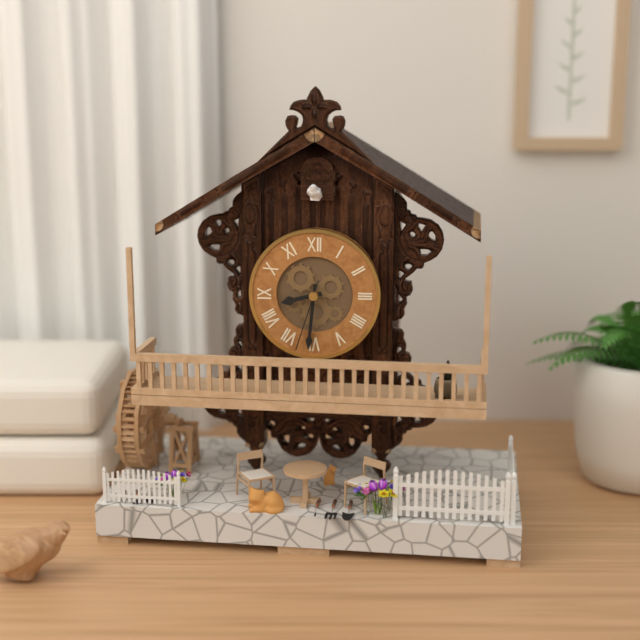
8:31:33
